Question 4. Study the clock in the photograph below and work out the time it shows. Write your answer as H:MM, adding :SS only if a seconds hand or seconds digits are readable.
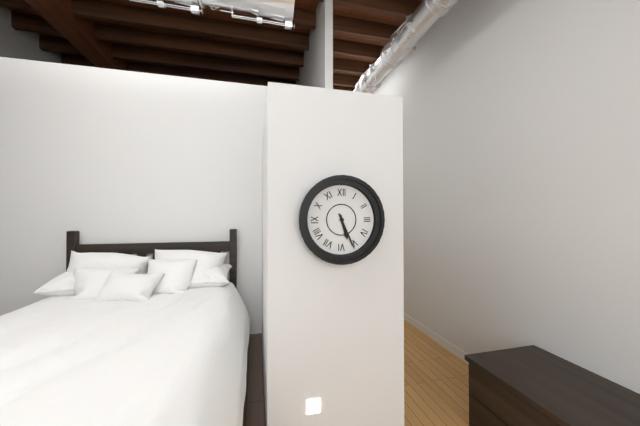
5:26
